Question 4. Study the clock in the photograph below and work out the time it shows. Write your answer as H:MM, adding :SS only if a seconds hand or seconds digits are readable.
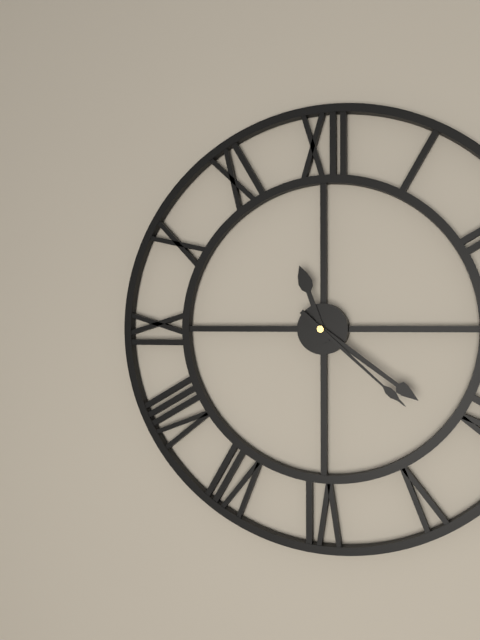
11:21:22
